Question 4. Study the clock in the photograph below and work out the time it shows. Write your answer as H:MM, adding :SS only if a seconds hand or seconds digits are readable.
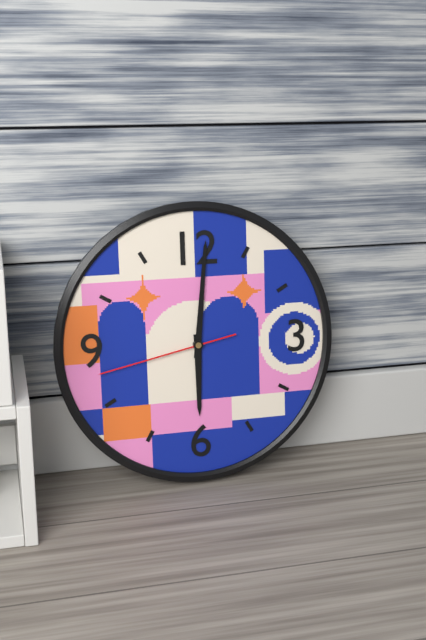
6:01:43
